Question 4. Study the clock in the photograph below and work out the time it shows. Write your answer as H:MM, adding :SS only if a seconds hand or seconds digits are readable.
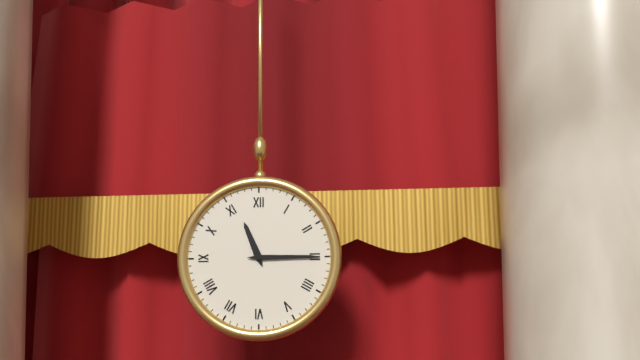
11:15
